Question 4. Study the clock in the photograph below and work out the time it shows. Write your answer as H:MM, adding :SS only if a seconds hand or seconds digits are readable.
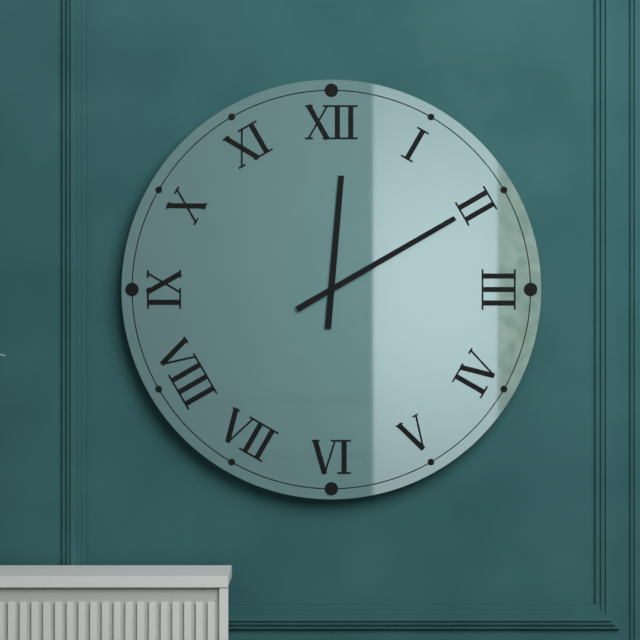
12:10
